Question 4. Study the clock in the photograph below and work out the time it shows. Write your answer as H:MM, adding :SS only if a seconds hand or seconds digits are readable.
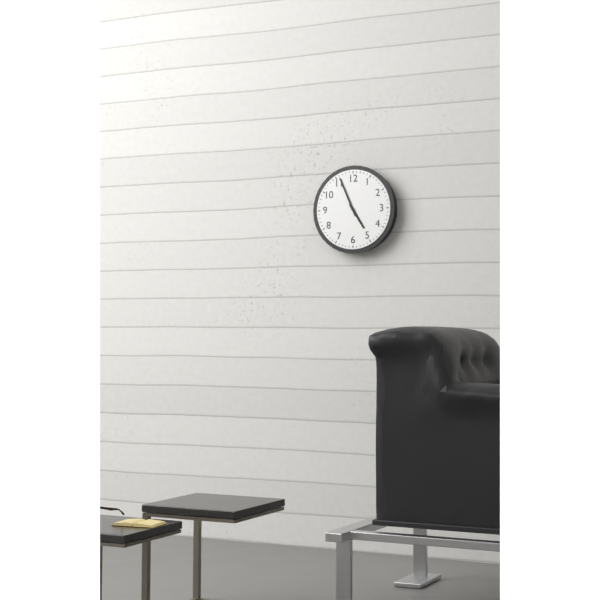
4:56
